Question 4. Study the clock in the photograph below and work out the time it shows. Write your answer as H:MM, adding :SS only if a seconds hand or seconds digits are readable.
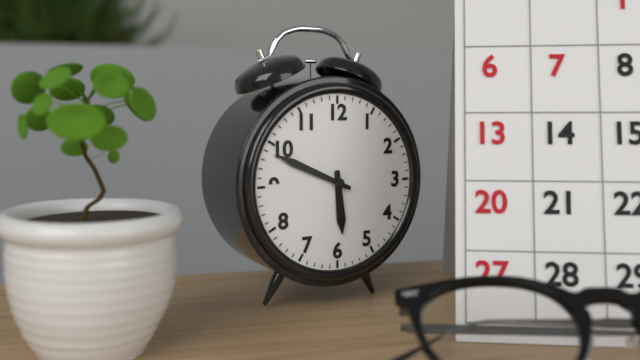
5:49
